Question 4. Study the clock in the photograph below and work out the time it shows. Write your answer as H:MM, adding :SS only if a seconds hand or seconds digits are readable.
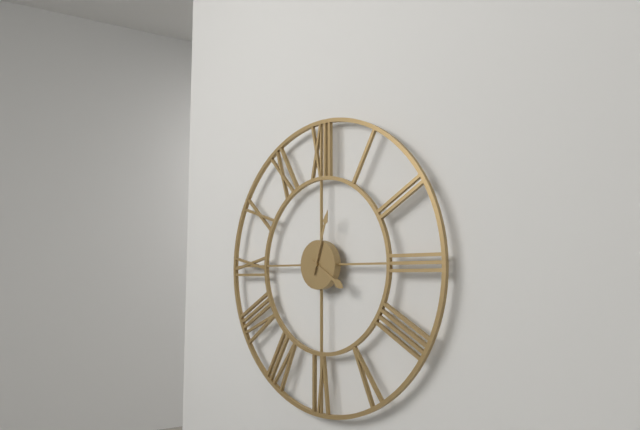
4:03
